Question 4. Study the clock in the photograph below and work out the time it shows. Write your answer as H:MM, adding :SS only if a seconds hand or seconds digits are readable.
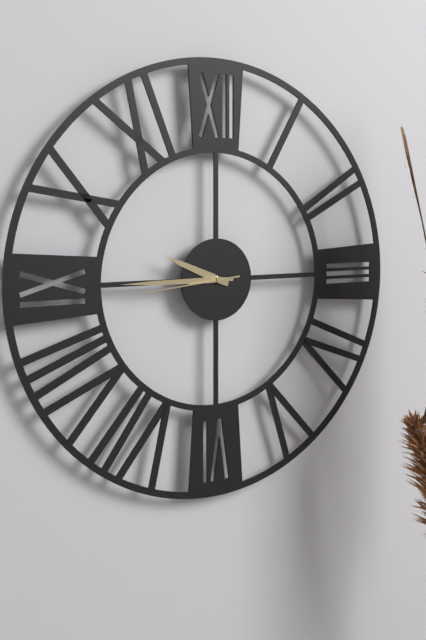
9:45:44
